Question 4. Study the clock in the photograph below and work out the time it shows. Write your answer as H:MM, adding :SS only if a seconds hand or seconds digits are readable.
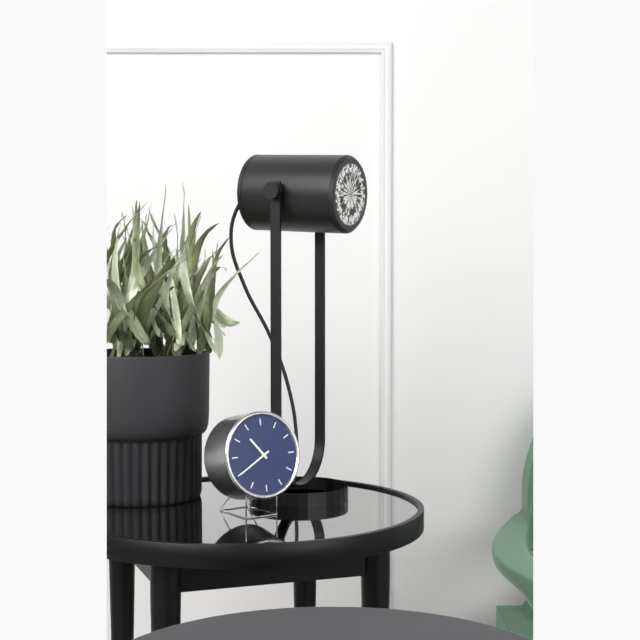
10:40
